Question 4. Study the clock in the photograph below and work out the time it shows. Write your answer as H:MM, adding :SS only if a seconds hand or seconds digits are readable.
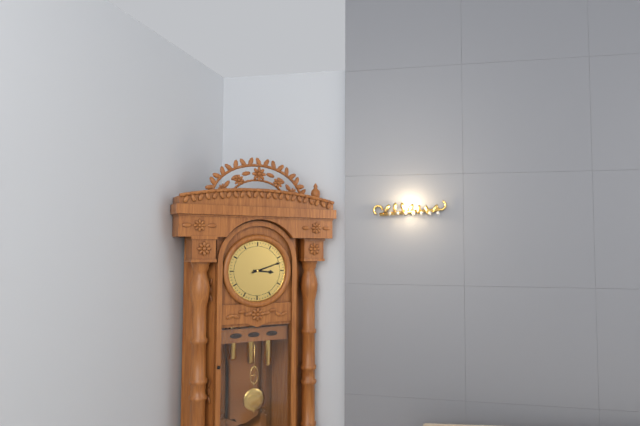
3:12
